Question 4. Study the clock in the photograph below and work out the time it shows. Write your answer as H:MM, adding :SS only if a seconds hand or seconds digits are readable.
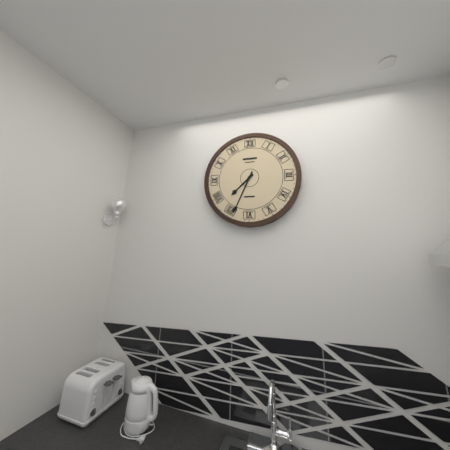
7:34
